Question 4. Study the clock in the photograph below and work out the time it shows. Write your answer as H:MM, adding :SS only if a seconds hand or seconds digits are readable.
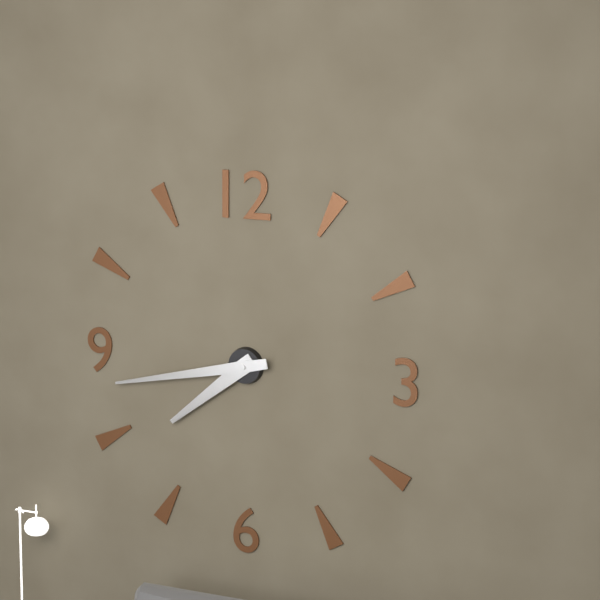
7:43
